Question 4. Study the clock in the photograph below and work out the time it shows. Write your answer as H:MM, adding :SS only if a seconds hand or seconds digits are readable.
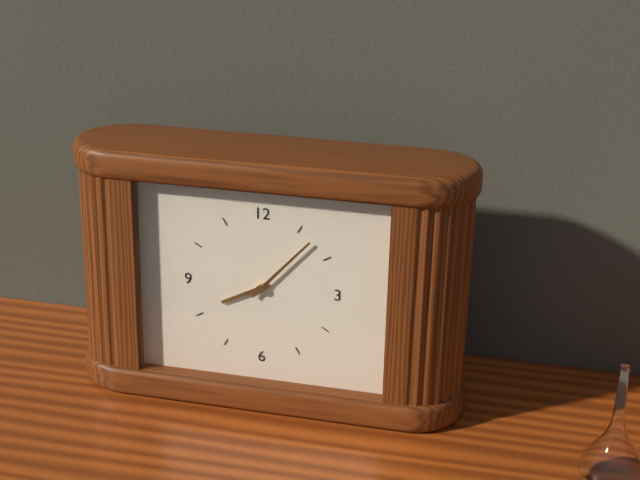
8:07
